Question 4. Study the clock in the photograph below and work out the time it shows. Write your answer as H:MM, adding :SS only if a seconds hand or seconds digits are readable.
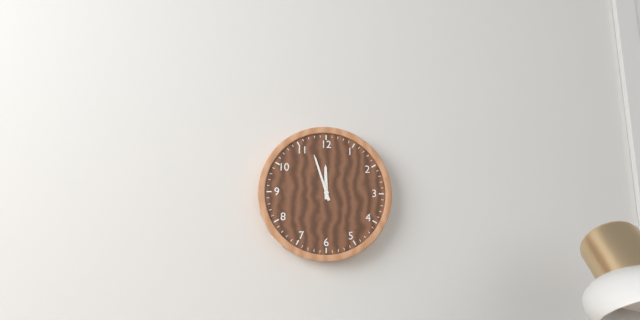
11:57
